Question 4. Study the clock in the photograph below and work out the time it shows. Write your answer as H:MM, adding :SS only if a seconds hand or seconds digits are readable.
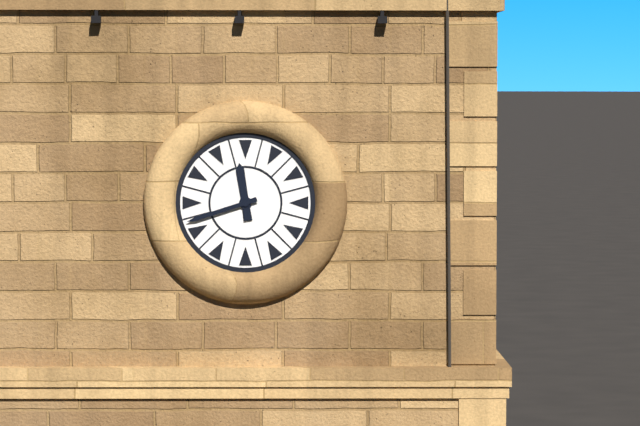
11:42
